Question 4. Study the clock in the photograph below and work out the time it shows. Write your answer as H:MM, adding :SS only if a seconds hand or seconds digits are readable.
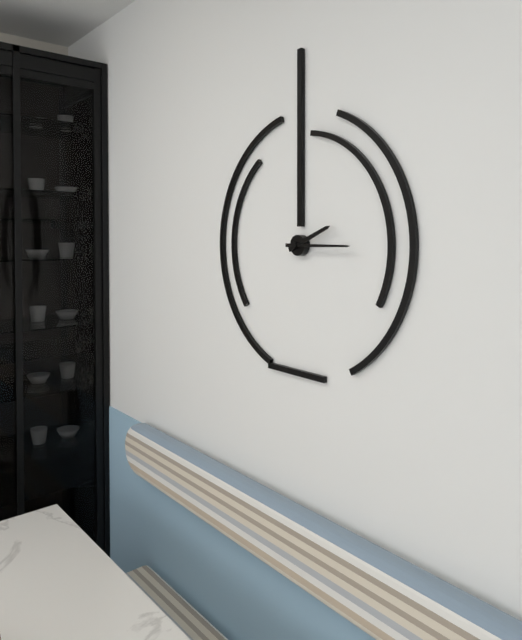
2:15
